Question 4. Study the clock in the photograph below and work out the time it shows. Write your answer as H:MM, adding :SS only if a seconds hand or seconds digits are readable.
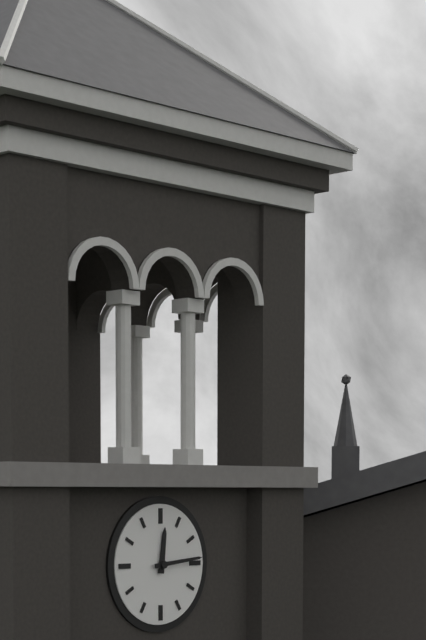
12:14
